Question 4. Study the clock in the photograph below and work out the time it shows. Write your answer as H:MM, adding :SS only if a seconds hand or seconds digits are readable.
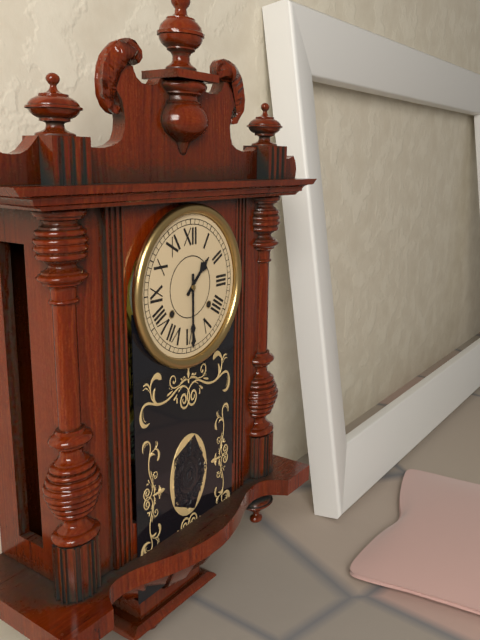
1:30
